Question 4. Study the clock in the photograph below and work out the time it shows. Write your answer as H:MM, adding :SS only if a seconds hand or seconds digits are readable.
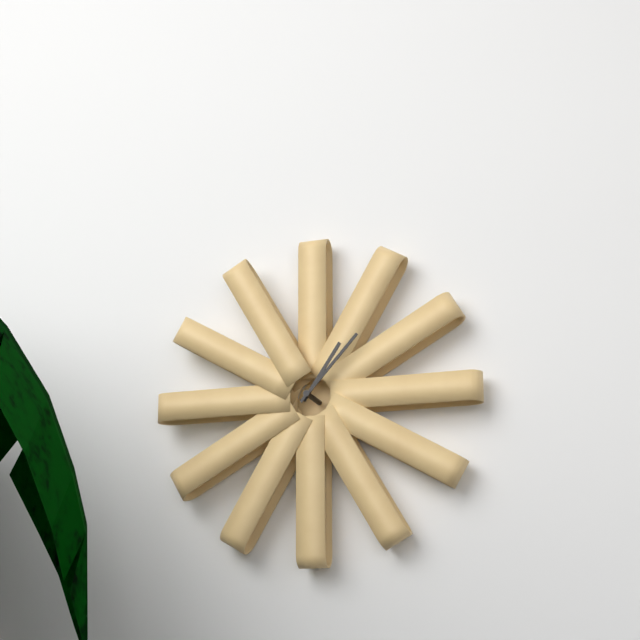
1:07
